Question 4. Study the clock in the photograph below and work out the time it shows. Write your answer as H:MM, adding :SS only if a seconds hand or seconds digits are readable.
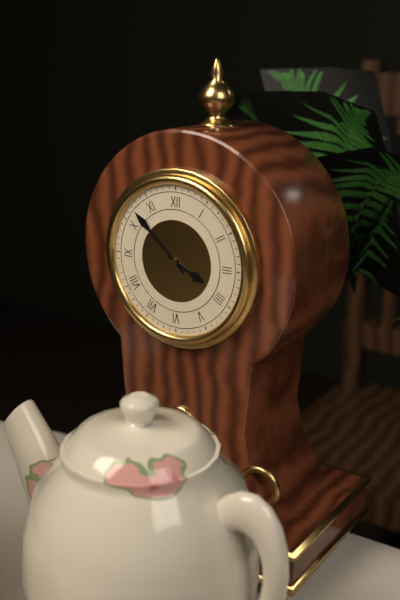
3:52
